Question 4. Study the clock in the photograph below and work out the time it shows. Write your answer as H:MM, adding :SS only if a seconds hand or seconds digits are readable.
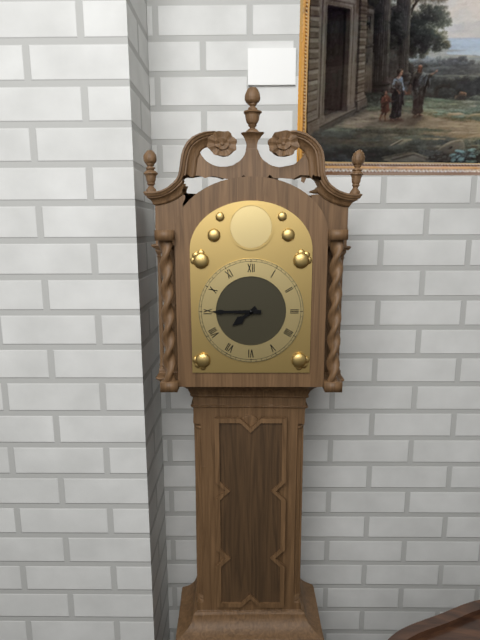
7:45
